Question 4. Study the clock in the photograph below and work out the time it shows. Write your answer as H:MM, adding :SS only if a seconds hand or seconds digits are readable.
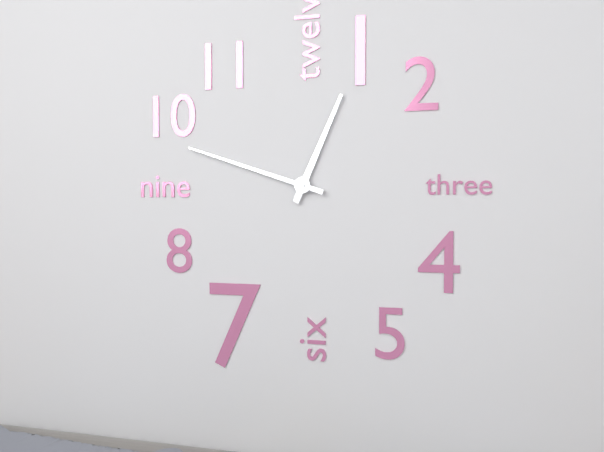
12:48
